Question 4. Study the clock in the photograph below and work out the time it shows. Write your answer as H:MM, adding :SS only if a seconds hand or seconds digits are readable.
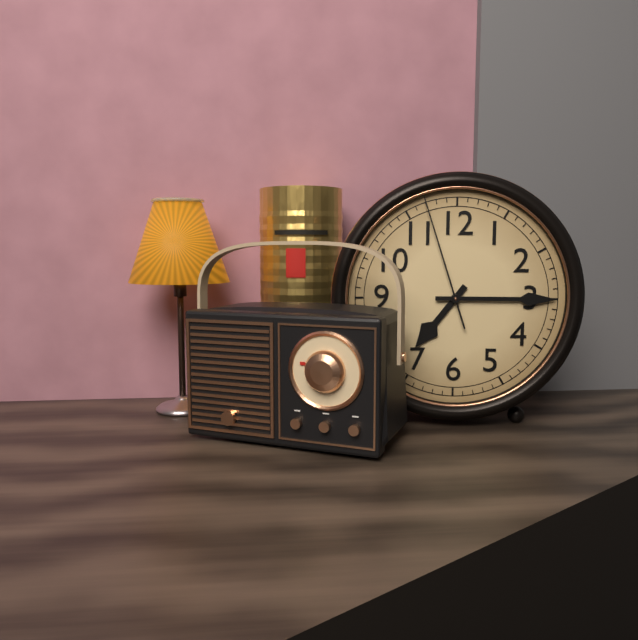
7:15:57
